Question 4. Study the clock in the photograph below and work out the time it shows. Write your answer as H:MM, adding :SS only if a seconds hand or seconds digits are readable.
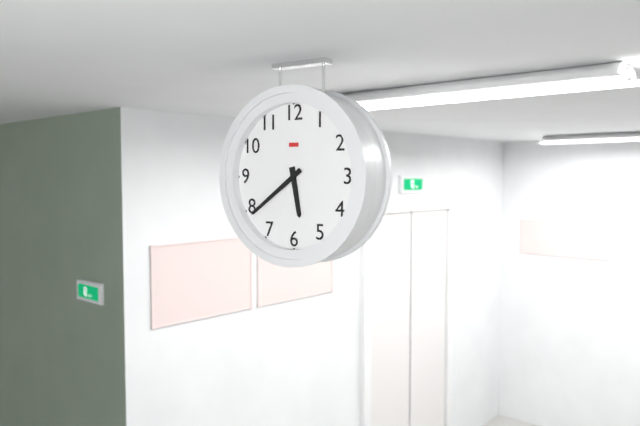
5:39
